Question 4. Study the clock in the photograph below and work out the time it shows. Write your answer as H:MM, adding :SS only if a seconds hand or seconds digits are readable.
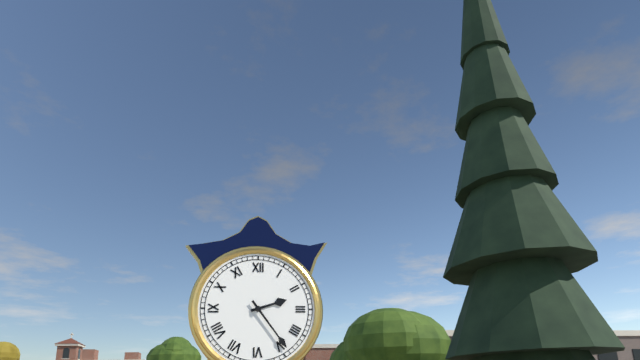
2:24
